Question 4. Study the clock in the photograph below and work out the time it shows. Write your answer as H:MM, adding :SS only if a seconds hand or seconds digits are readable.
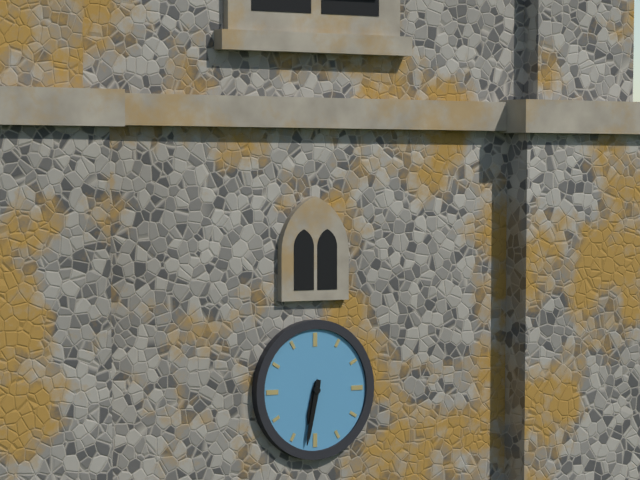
6:32
